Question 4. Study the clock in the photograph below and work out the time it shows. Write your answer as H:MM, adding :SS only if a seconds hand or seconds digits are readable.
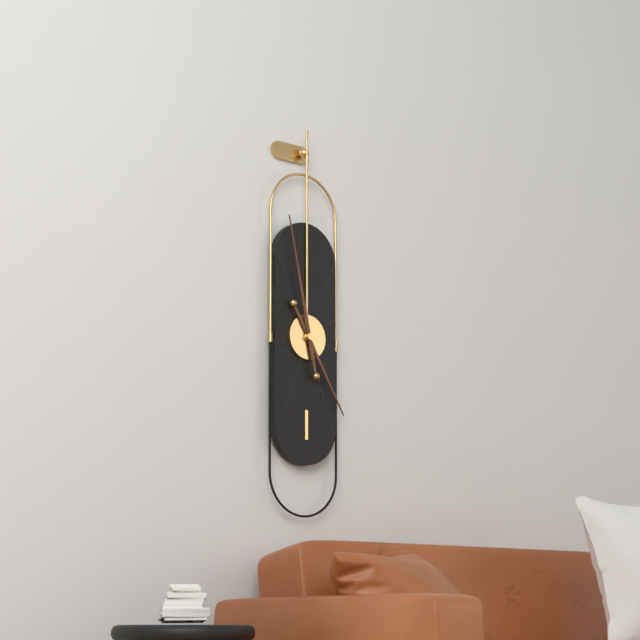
4:58
